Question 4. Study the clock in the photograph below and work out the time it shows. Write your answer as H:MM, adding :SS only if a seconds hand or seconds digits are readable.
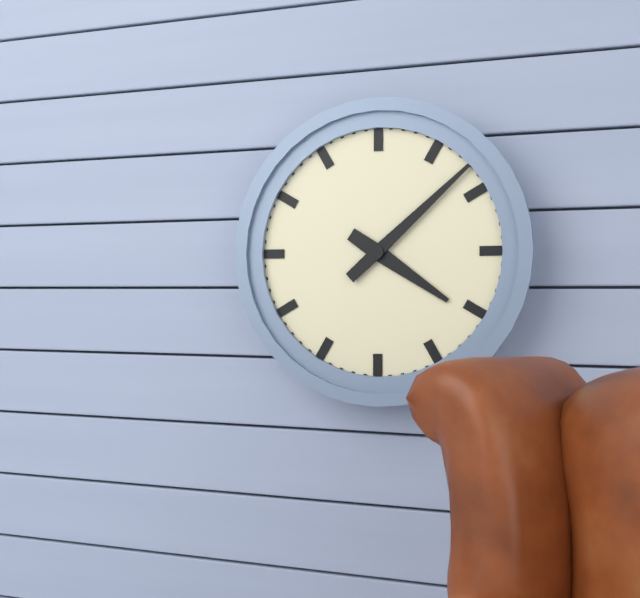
4:08
